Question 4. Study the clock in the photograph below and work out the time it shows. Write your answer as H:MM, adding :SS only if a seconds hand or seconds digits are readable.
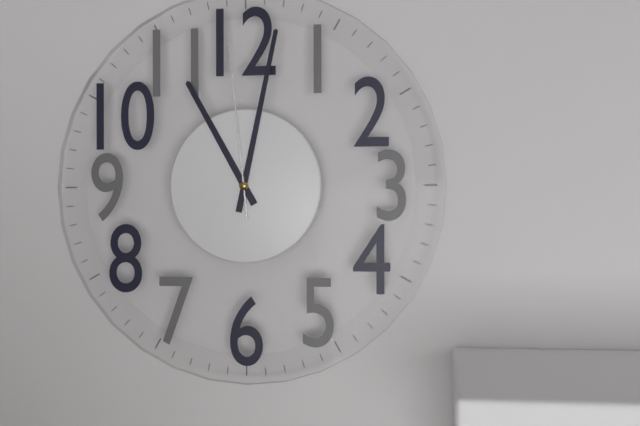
11:02:59
